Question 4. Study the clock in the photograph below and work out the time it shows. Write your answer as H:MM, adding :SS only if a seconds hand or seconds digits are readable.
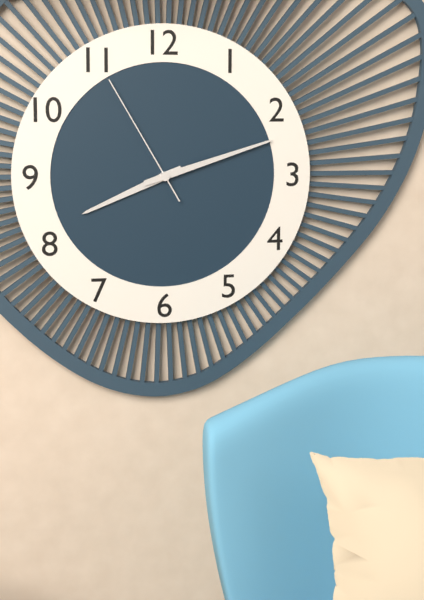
8:12:55
